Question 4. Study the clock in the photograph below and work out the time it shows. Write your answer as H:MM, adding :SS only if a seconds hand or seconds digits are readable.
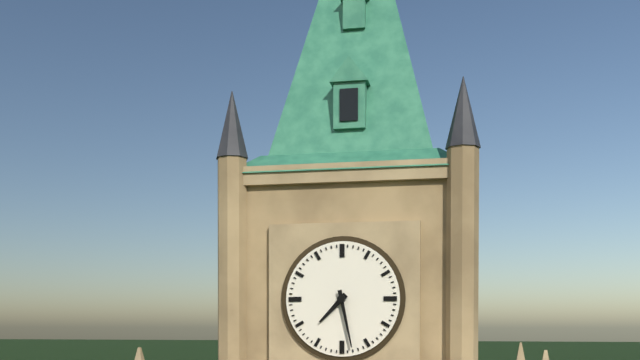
7:28
